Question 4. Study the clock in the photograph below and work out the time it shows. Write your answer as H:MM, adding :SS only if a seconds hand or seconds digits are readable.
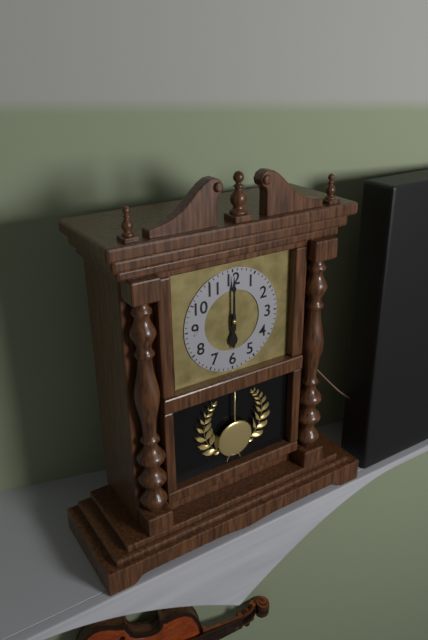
6:00
